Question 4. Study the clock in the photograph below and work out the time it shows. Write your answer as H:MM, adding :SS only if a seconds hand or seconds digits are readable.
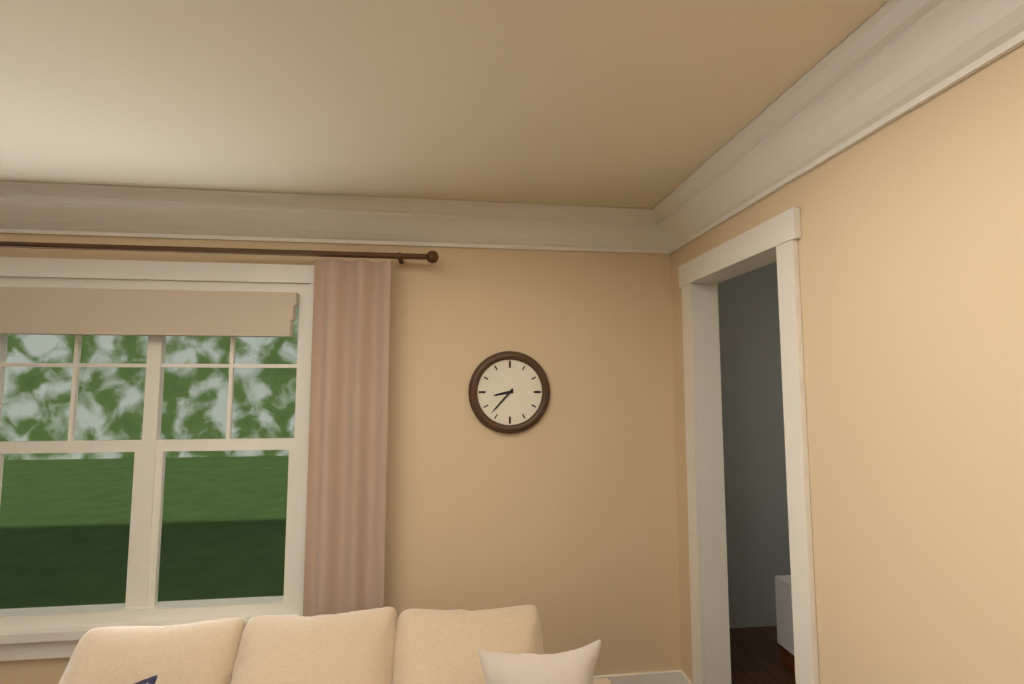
8:37
